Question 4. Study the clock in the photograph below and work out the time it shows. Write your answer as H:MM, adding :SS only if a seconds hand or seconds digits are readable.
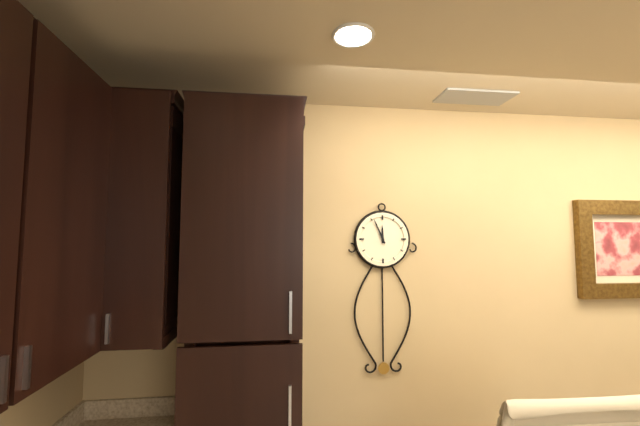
11:56
